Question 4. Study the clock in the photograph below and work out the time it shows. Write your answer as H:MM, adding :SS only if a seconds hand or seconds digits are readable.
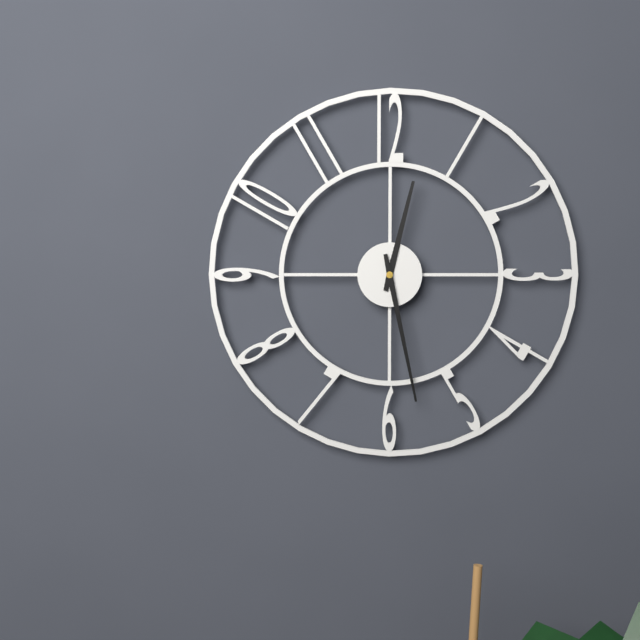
12:28
